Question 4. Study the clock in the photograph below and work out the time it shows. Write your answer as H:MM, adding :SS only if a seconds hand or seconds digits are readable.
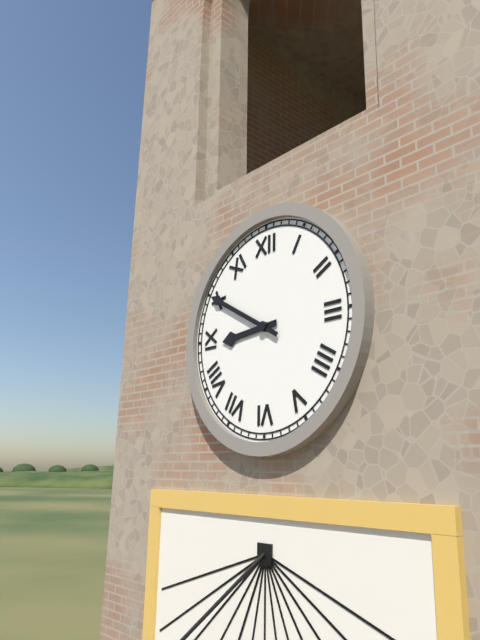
8:50
